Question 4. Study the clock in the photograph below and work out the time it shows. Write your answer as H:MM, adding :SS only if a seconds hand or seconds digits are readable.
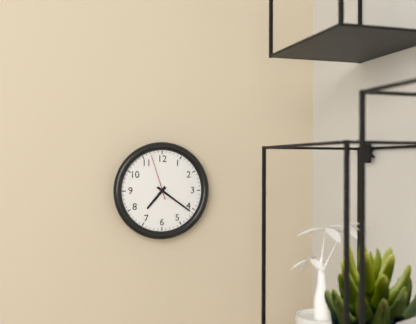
7:21
